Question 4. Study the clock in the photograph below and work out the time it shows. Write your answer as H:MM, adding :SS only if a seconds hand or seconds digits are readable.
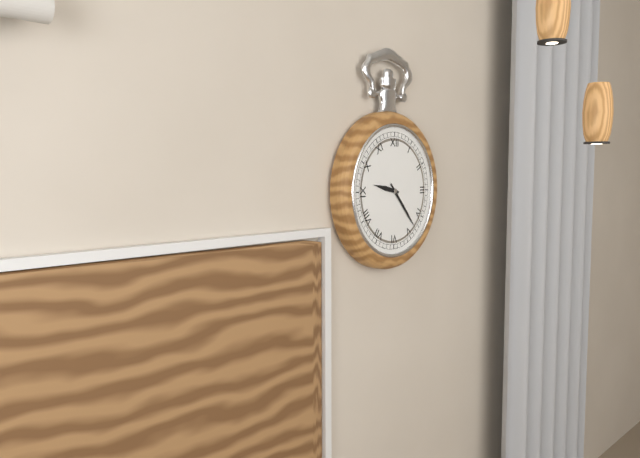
9:23
